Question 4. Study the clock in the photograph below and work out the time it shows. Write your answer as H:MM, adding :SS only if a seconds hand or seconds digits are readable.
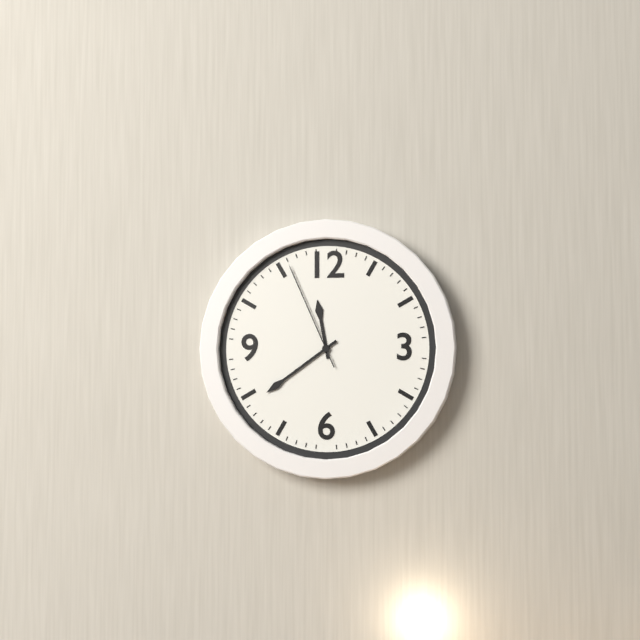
11:39:56
